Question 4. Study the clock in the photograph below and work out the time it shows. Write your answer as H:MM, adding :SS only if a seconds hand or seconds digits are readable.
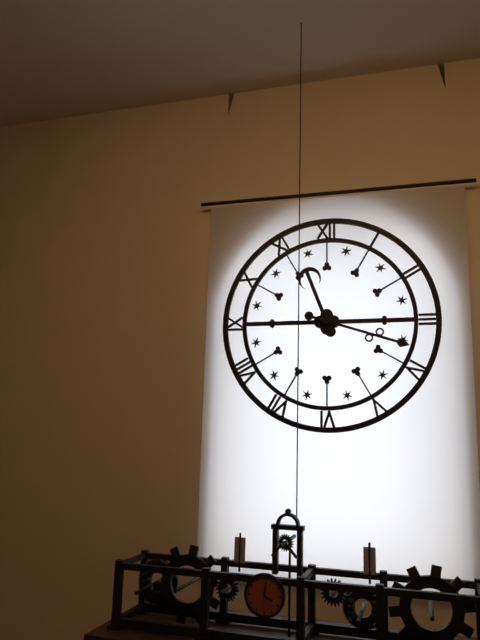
11:18
